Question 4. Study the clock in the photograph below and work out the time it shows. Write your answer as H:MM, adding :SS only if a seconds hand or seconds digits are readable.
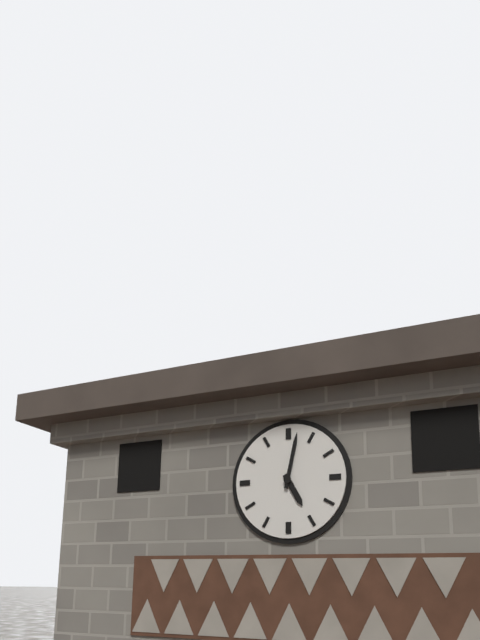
5:02
